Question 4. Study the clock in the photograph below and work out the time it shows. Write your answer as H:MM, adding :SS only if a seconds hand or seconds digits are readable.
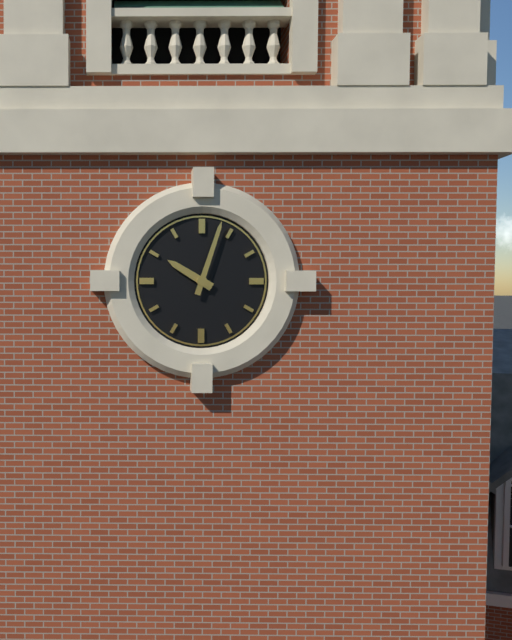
10:03
